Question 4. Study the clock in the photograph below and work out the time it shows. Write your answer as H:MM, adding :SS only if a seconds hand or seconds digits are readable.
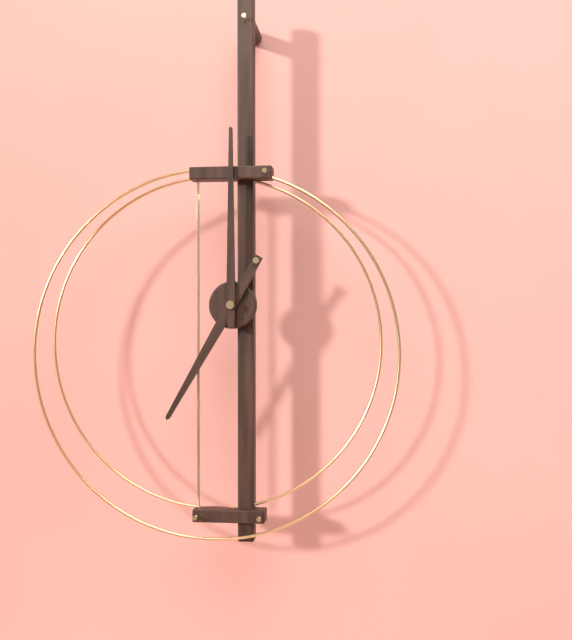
7:00
